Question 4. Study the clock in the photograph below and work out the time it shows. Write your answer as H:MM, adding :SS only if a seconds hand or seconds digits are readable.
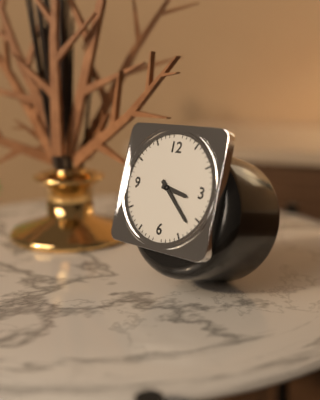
3:22
